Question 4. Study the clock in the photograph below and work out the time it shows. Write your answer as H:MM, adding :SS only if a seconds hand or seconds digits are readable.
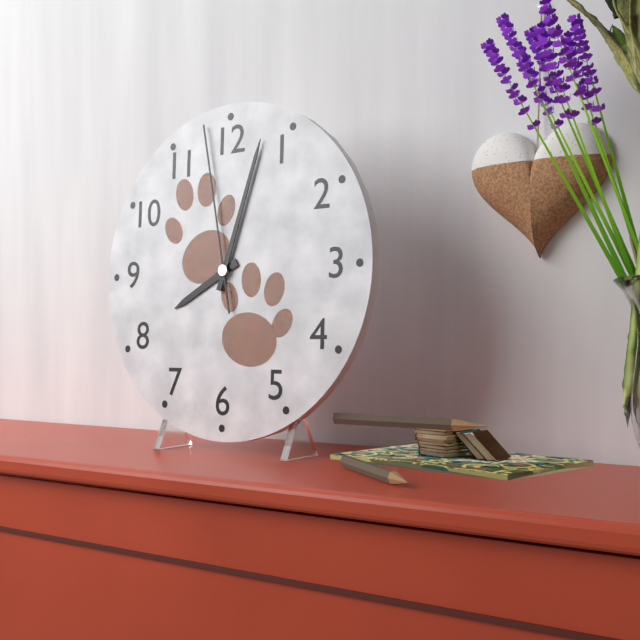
8:03:58
